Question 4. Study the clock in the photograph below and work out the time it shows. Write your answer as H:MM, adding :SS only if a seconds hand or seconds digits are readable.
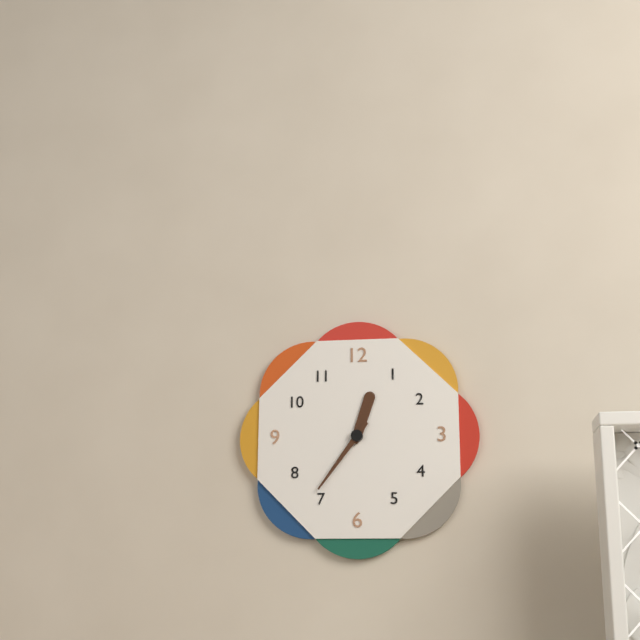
12:36
